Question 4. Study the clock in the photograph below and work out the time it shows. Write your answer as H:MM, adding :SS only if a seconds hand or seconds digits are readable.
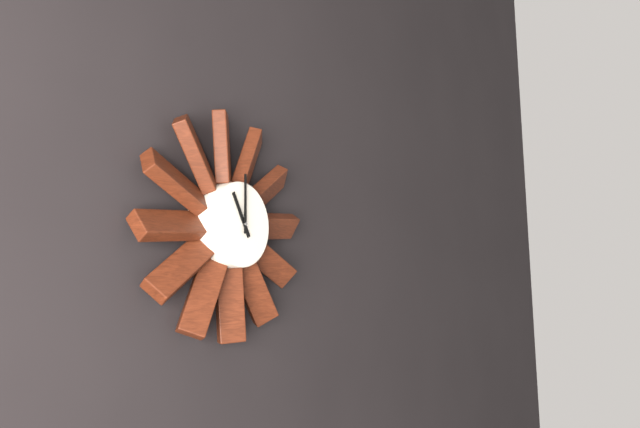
11:00
